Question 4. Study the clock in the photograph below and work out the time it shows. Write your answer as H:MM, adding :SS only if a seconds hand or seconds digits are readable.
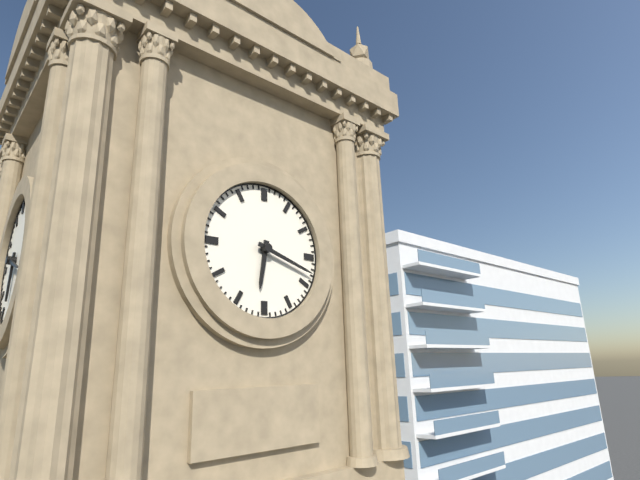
6:18
